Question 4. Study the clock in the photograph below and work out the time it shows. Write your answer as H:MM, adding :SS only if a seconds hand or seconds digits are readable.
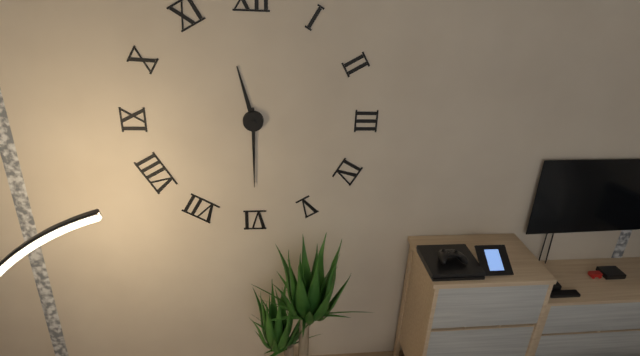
11:30
